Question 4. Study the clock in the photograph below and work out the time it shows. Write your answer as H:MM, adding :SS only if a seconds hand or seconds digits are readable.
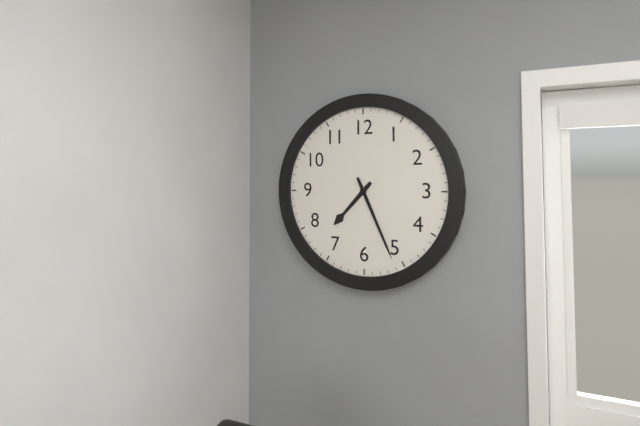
7:26
